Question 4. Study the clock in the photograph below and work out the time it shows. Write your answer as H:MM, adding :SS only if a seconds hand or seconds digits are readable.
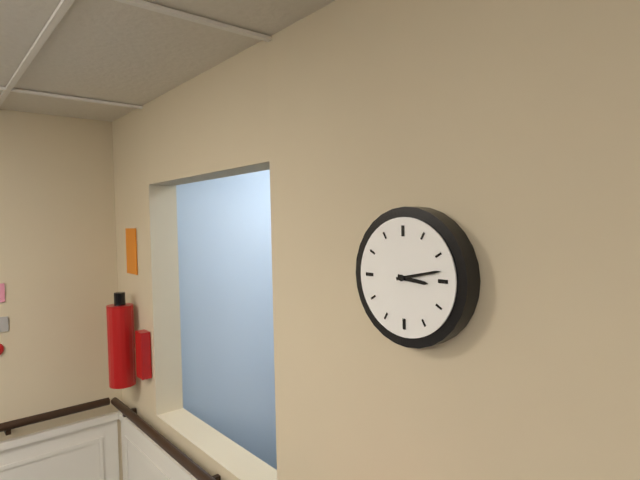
3:13
